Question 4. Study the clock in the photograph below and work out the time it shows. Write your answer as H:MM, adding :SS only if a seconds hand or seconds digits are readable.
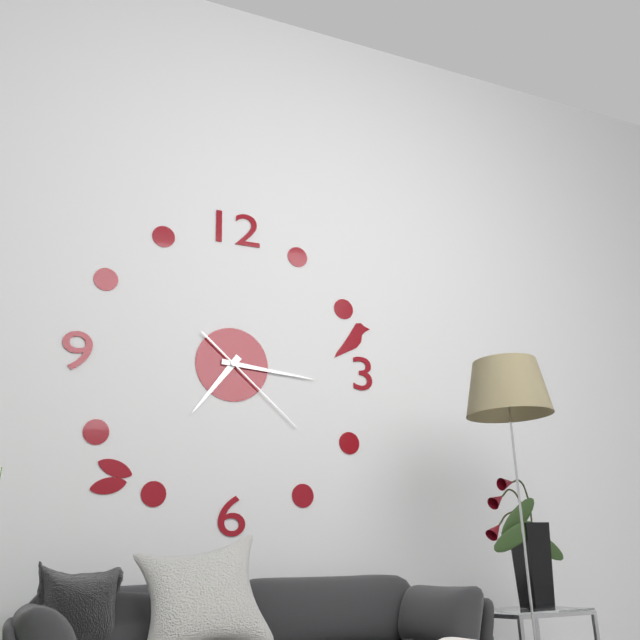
7:16:22
